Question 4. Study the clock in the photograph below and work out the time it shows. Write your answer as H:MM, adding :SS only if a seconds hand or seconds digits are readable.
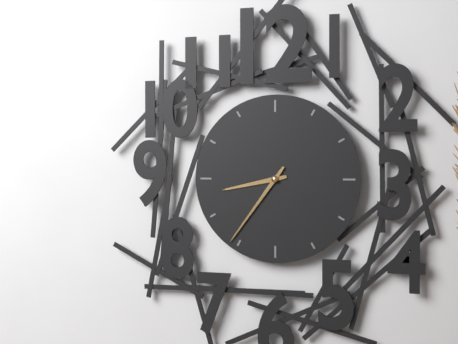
8:36
